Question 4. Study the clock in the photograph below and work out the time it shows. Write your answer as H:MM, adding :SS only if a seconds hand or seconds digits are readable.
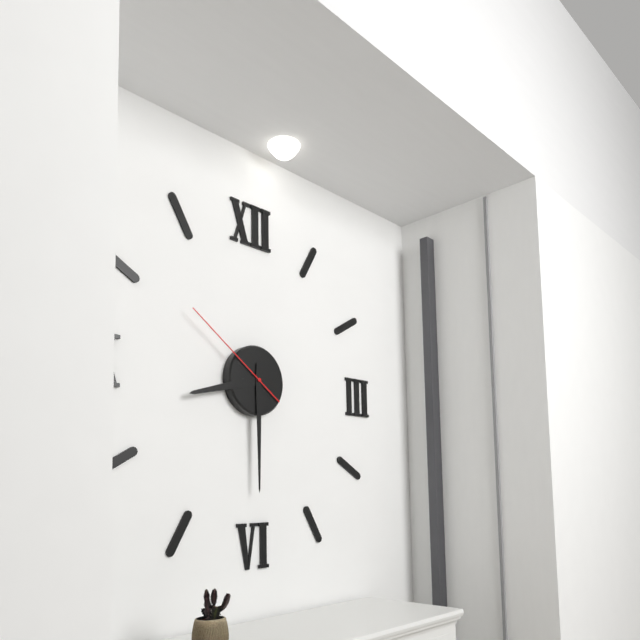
8:30:51
